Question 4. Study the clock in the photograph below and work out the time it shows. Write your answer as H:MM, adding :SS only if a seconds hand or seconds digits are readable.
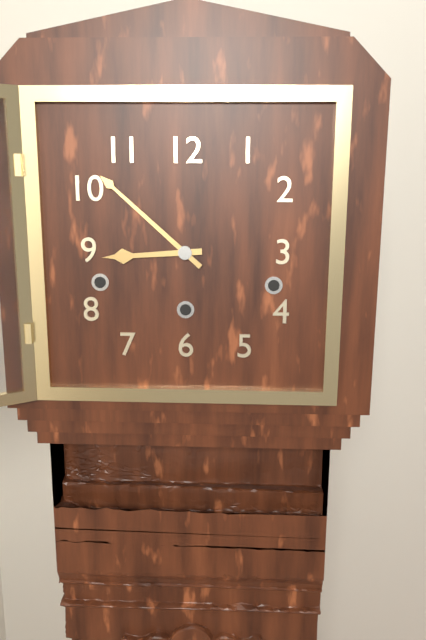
8:52
